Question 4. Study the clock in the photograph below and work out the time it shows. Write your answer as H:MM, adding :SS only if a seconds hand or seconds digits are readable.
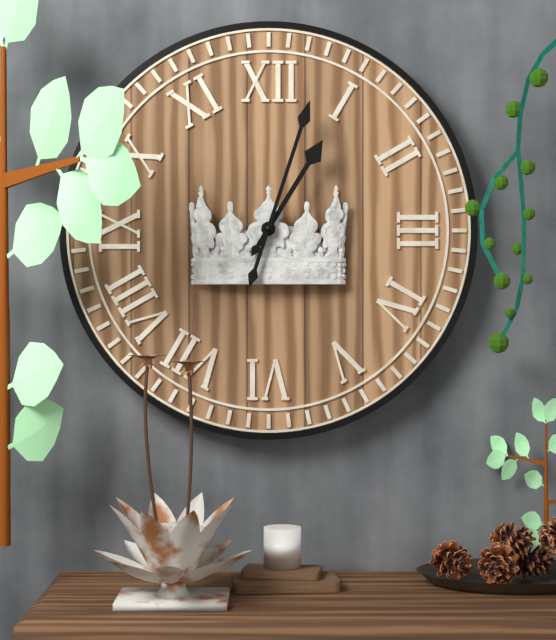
1:03
